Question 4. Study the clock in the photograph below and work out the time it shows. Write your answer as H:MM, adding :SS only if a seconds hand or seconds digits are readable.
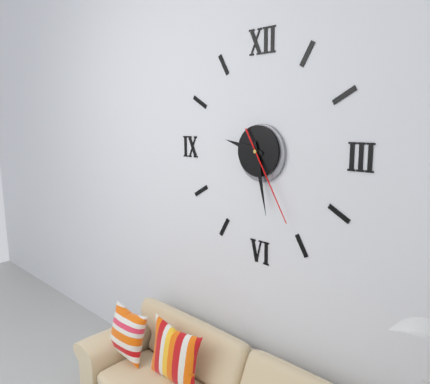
9:28:25
